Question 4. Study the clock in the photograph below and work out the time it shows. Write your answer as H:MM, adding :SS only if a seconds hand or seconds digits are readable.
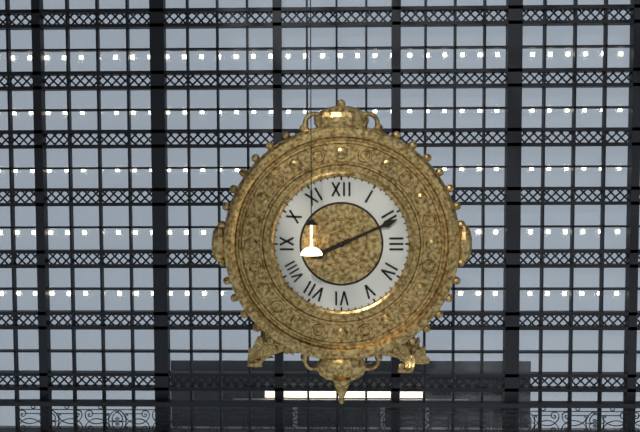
8:11
